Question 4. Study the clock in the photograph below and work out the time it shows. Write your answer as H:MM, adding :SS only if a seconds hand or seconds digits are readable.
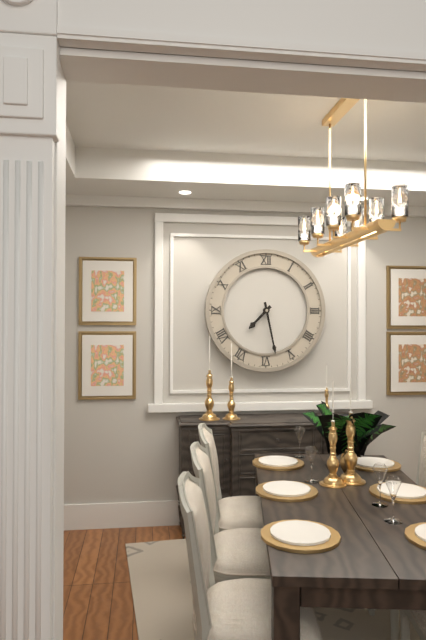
7:28
